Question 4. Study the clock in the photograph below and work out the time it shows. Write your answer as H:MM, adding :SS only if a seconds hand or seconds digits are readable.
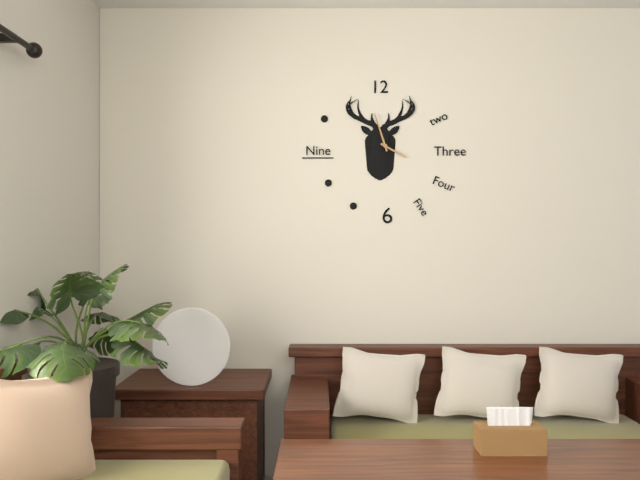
3:57
